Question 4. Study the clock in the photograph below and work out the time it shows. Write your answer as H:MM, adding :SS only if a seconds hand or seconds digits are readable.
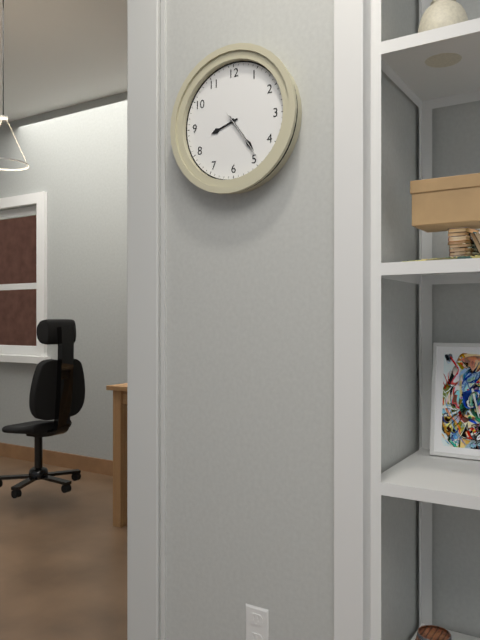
8:24:24
